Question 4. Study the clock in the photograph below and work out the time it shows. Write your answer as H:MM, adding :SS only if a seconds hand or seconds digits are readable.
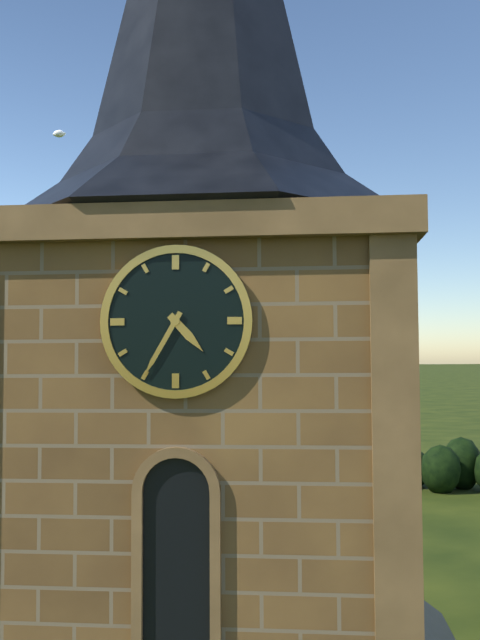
4:35
